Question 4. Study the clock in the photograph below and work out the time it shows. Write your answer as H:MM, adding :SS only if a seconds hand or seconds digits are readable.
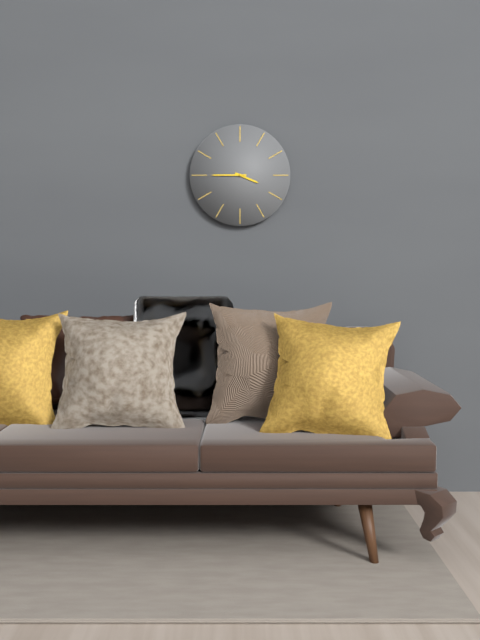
3:45
